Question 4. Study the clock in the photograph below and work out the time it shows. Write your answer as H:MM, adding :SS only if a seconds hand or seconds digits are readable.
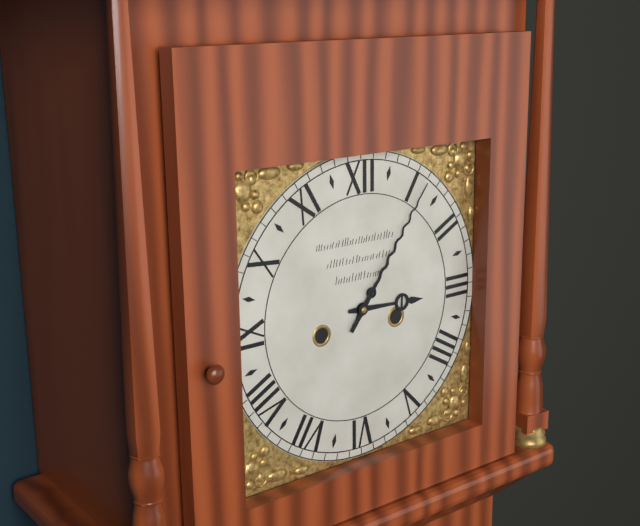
3:06
